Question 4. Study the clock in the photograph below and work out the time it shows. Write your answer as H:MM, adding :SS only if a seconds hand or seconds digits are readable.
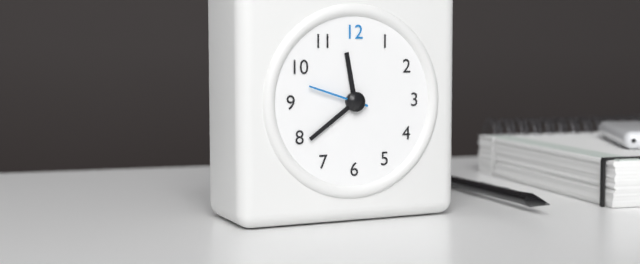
11:39:48
